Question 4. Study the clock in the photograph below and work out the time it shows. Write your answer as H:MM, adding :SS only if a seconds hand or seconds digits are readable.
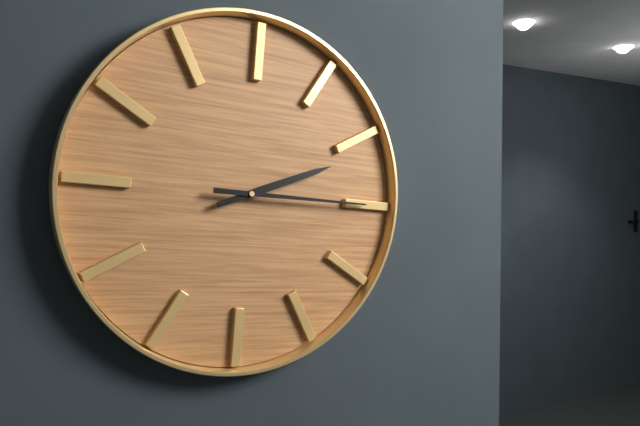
2:15
